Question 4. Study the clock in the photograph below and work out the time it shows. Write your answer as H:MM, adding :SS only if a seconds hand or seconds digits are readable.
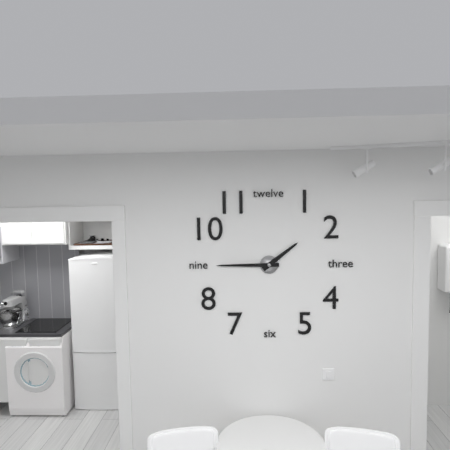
1:45
